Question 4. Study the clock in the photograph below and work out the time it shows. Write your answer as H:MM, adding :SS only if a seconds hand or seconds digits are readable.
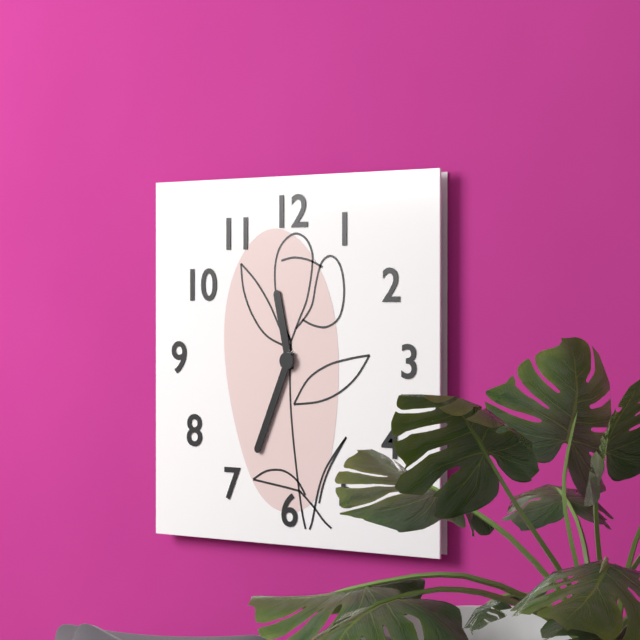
11:34
